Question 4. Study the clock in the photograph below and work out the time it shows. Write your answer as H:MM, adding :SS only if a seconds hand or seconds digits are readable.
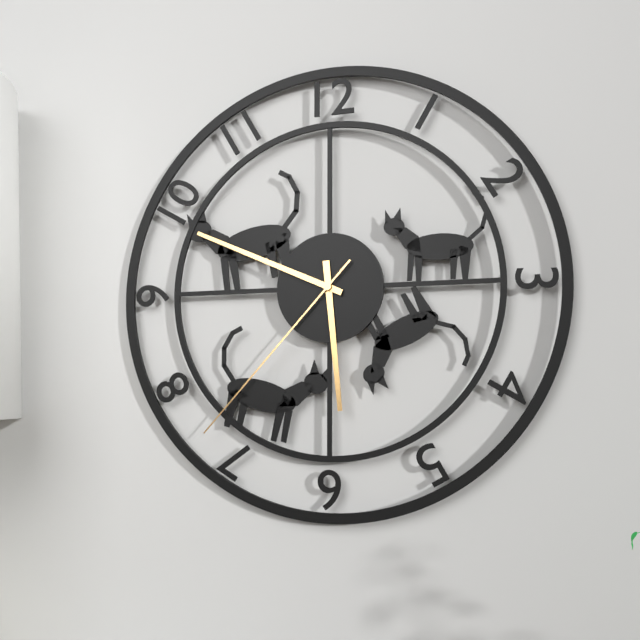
5:49:37
